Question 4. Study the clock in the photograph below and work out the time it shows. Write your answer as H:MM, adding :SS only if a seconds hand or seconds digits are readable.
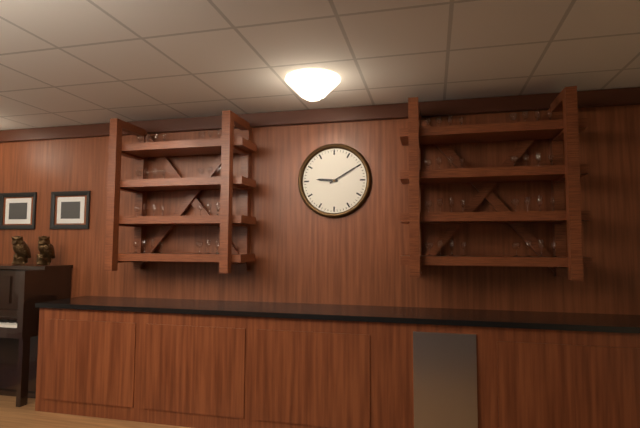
9:10
